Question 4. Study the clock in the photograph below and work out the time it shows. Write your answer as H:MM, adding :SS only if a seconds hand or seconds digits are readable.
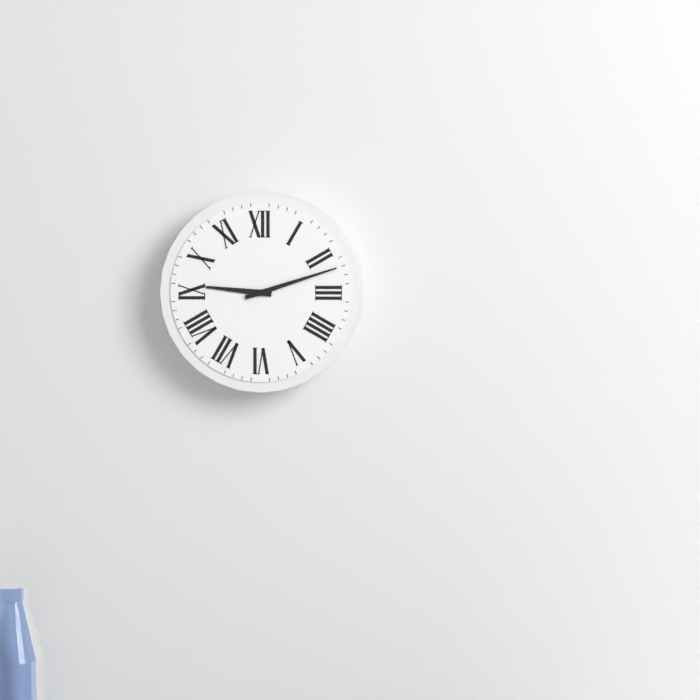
9:12
